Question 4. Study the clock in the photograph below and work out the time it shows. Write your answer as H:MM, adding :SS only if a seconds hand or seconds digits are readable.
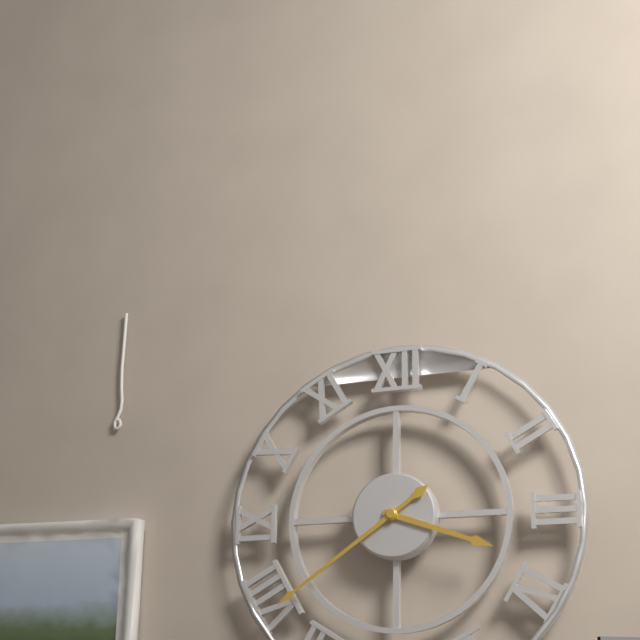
3:39
